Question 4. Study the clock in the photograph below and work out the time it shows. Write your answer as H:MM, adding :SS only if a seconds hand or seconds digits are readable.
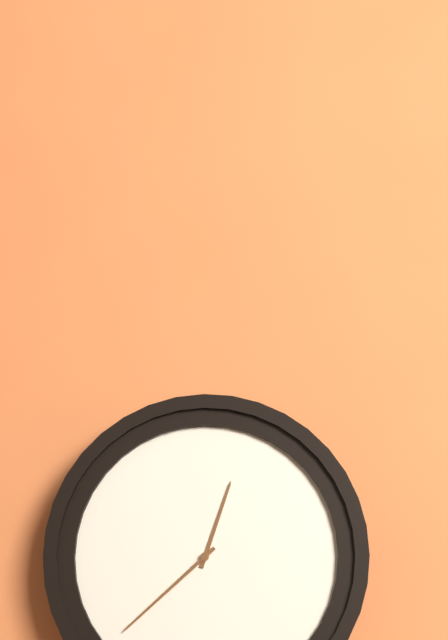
12:38
